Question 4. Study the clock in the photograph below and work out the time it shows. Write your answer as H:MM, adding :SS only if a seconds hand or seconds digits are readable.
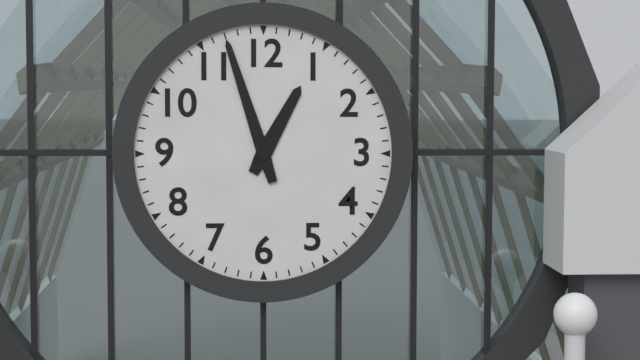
12:57
